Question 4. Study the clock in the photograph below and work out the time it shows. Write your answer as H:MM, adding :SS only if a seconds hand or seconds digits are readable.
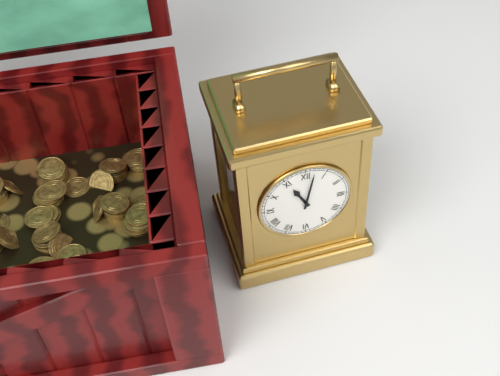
11:02
